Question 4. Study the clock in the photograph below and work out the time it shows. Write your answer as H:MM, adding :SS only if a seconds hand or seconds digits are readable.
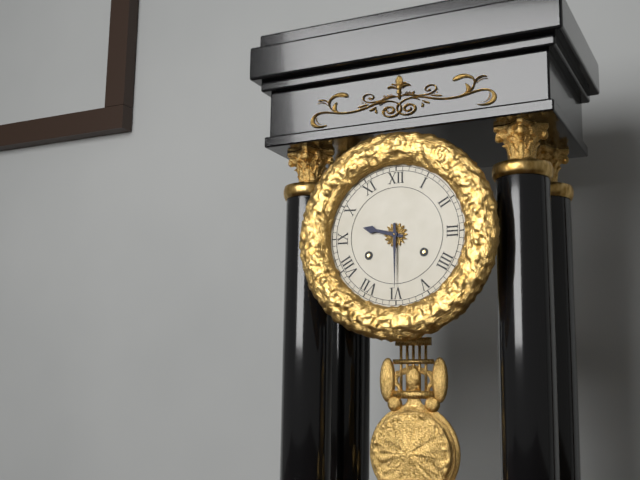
9:30
